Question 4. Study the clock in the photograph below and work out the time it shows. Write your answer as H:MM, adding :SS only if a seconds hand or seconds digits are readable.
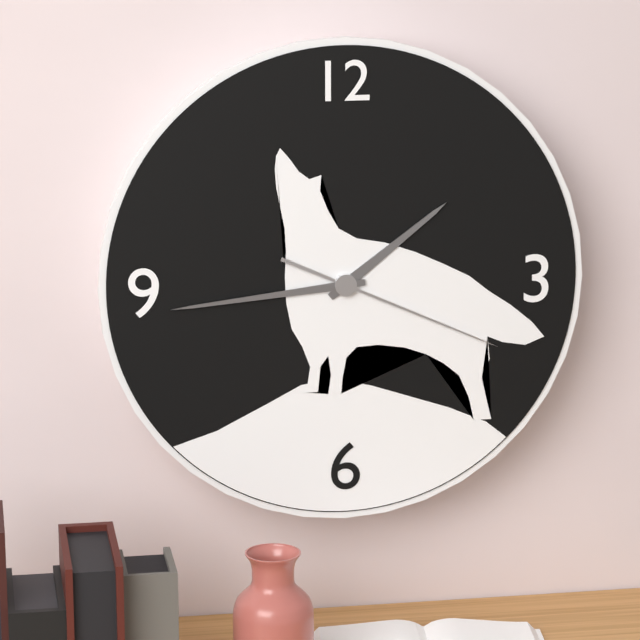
1:44:19
